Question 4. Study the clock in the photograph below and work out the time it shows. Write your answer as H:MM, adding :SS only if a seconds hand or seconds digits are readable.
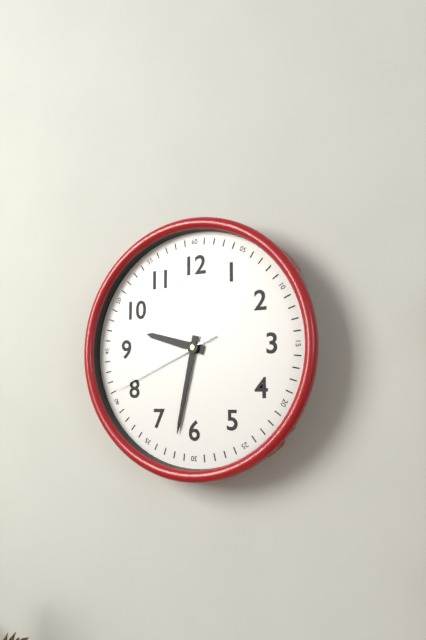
9:32:41
